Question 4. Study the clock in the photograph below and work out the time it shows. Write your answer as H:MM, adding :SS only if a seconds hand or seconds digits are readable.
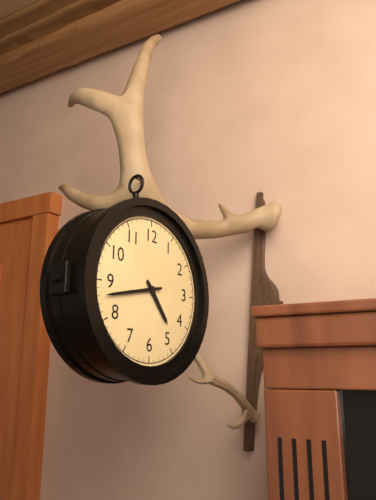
4:43
